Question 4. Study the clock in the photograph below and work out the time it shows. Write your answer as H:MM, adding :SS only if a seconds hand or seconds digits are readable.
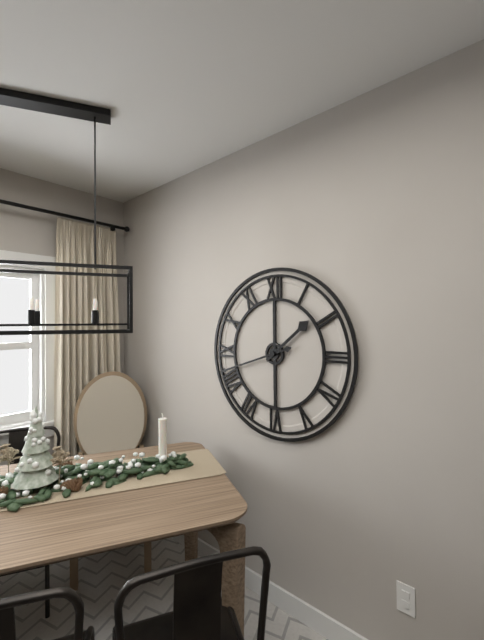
1:42
